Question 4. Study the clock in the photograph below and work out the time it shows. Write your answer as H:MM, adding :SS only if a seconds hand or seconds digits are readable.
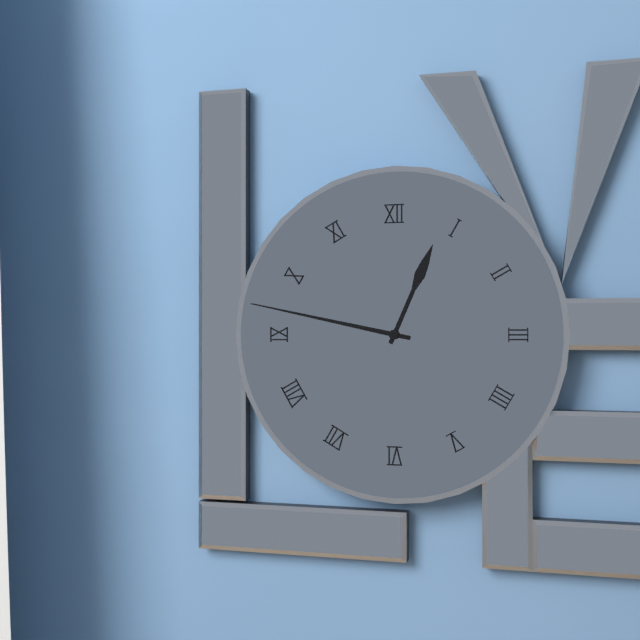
12:47
